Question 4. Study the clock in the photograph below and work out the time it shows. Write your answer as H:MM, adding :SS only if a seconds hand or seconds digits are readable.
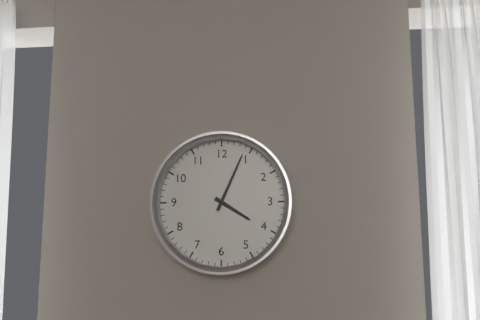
4:04
